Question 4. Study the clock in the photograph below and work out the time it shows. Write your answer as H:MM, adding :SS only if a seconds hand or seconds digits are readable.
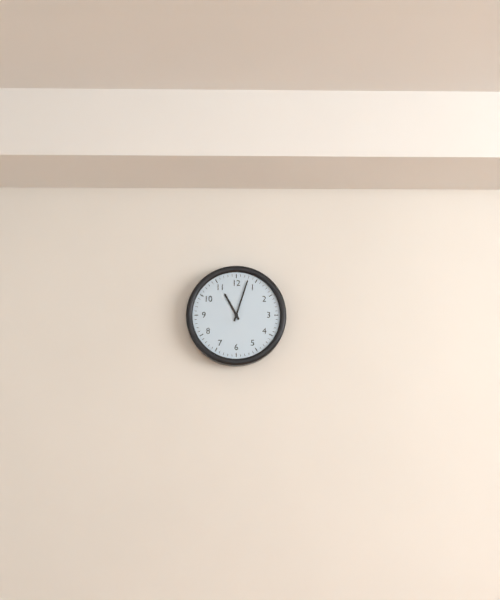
11:03
